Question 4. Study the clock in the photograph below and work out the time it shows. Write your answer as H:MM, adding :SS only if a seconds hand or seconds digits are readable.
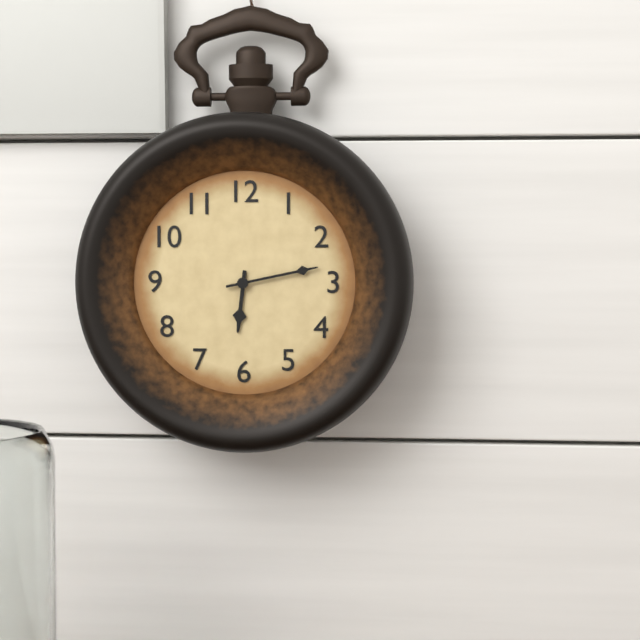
6:13
